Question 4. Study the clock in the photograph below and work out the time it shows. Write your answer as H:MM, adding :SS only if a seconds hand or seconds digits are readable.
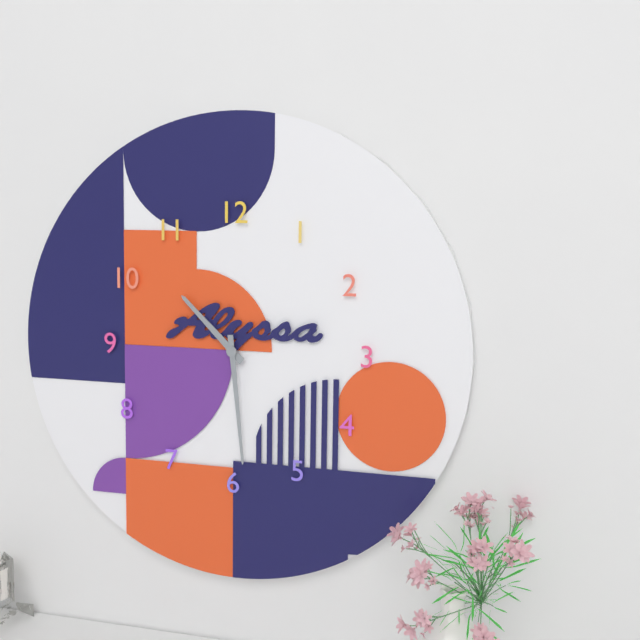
10:29
